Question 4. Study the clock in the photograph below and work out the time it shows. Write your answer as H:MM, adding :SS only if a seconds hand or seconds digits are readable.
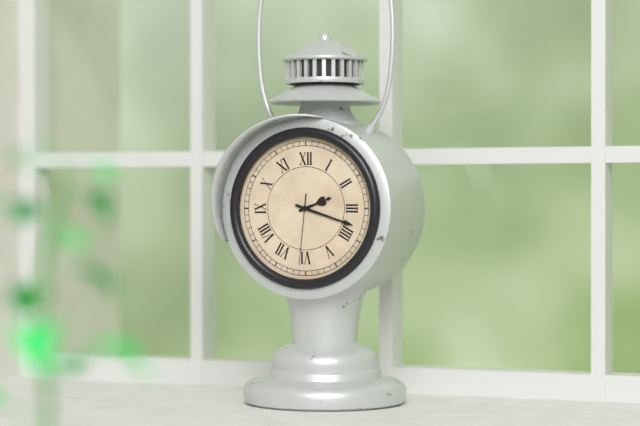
2:18:31
